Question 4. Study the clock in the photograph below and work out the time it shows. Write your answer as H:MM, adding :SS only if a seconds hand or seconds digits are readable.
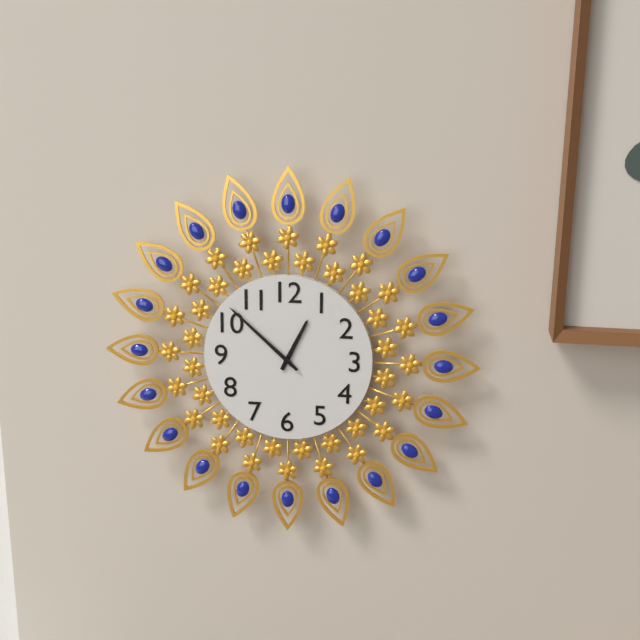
12:52
